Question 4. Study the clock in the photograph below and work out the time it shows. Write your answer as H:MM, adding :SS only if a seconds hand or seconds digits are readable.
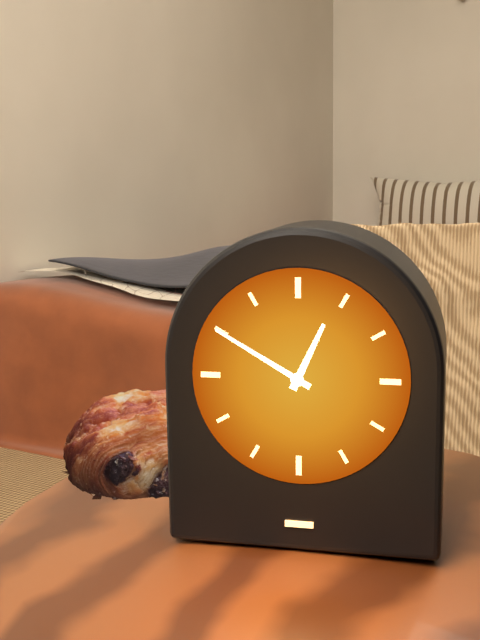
12:50
